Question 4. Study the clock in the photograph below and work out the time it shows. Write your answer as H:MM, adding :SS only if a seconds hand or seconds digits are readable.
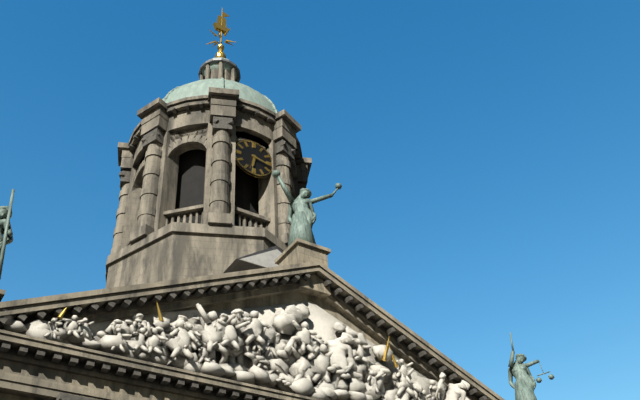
6:17
